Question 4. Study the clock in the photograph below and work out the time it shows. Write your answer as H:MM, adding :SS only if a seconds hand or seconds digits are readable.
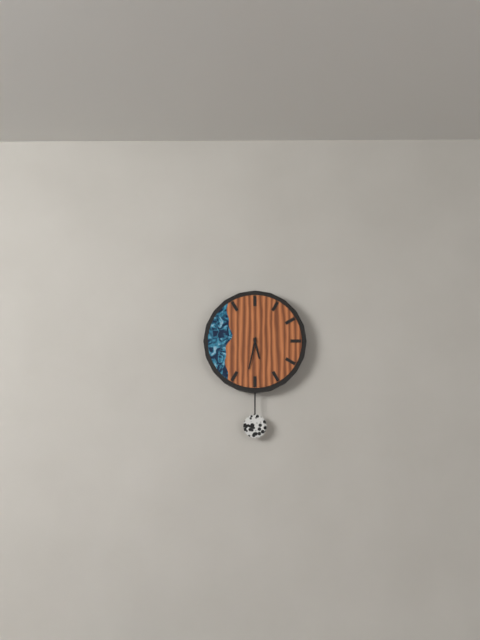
5:32
